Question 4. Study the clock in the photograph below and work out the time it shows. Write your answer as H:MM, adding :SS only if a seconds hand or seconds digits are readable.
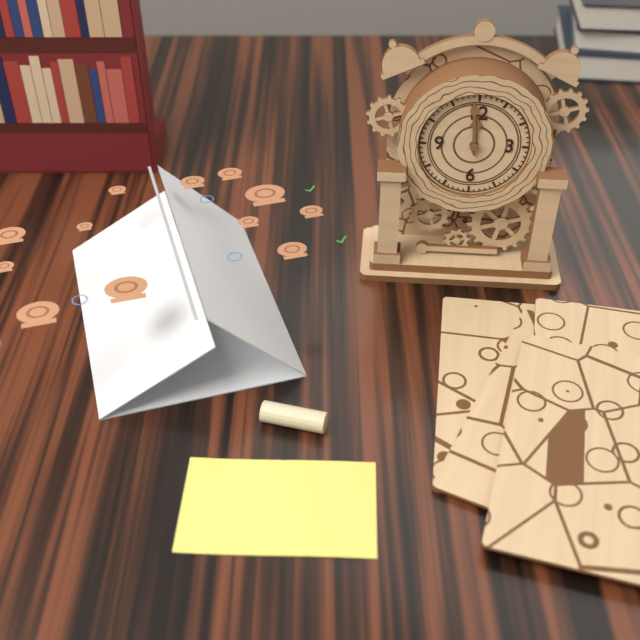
11:59
